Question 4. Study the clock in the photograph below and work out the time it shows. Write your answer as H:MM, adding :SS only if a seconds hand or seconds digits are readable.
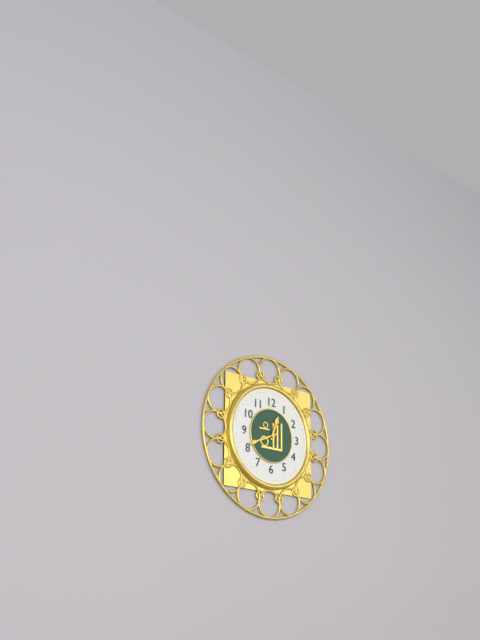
12:41
